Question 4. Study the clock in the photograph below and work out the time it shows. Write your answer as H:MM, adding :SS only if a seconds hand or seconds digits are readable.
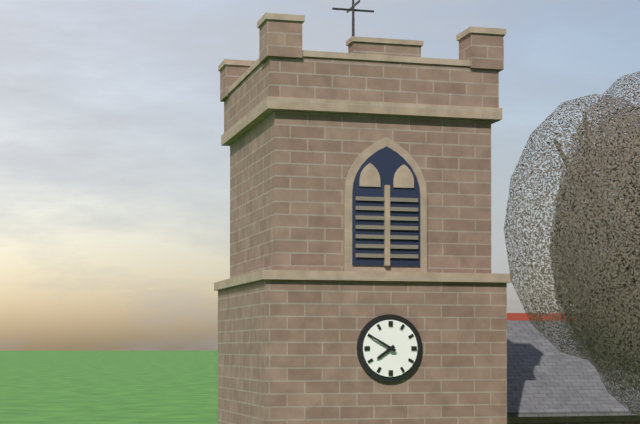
7:50
